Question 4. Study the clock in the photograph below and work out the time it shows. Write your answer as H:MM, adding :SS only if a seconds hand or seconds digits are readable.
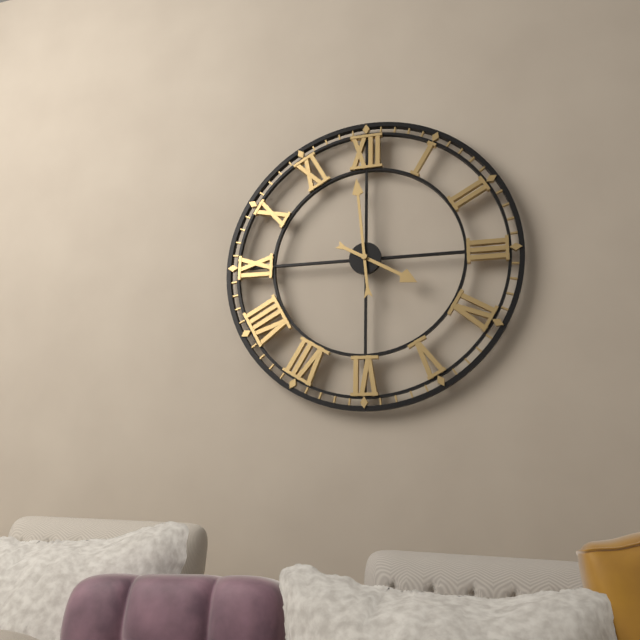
3:59
